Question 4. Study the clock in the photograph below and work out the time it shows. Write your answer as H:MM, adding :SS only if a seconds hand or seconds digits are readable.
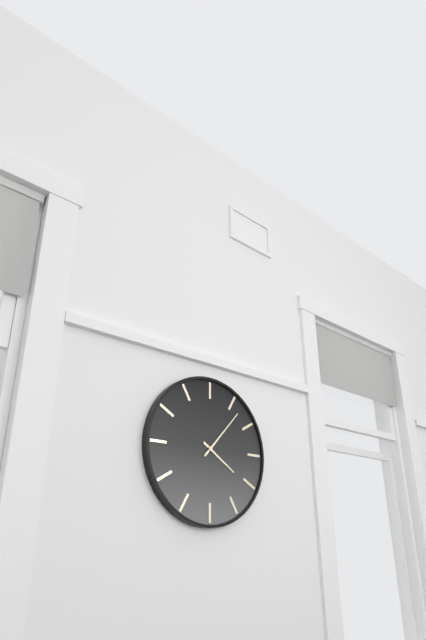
4:07
